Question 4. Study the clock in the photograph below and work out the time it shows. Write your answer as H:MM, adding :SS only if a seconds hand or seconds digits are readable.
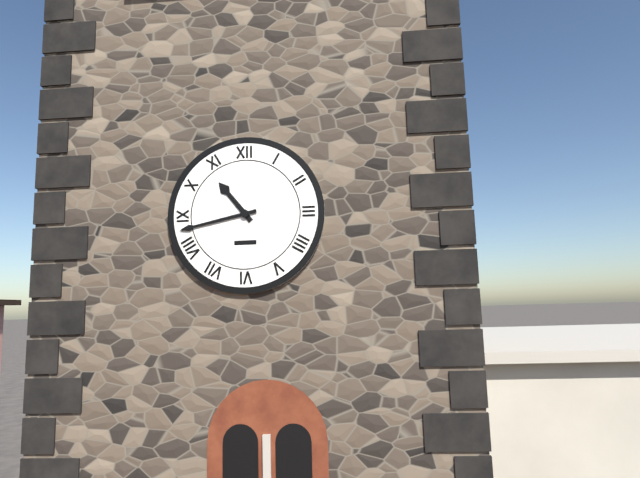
10:43
